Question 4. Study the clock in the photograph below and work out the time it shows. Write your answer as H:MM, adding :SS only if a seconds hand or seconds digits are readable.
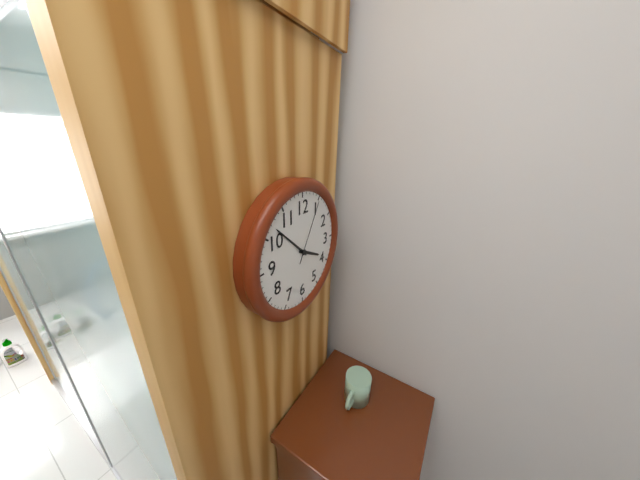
3:52:05
